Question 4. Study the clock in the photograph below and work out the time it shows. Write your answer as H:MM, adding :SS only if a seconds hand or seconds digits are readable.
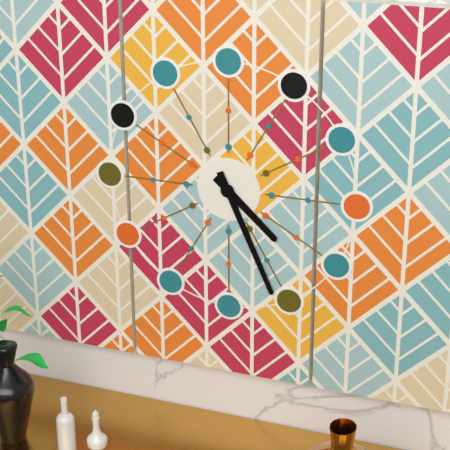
4:26
